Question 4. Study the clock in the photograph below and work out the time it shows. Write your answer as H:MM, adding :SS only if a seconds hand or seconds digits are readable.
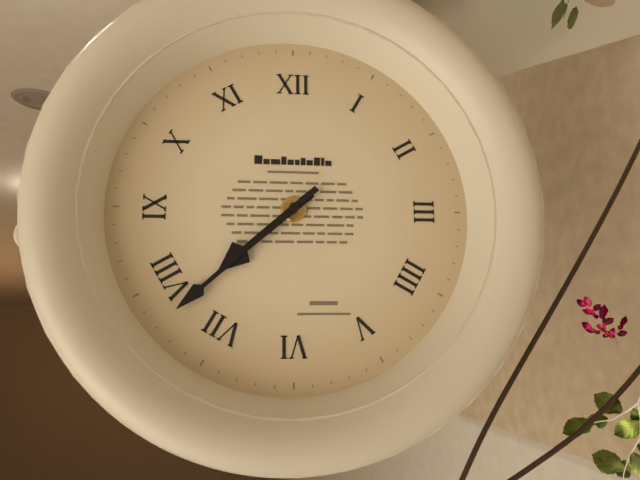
7:38
